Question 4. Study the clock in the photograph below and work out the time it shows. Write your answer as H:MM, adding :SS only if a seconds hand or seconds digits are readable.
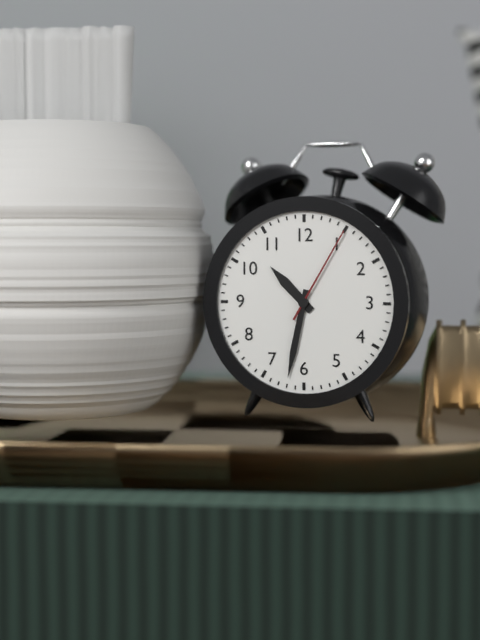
10:32:05
